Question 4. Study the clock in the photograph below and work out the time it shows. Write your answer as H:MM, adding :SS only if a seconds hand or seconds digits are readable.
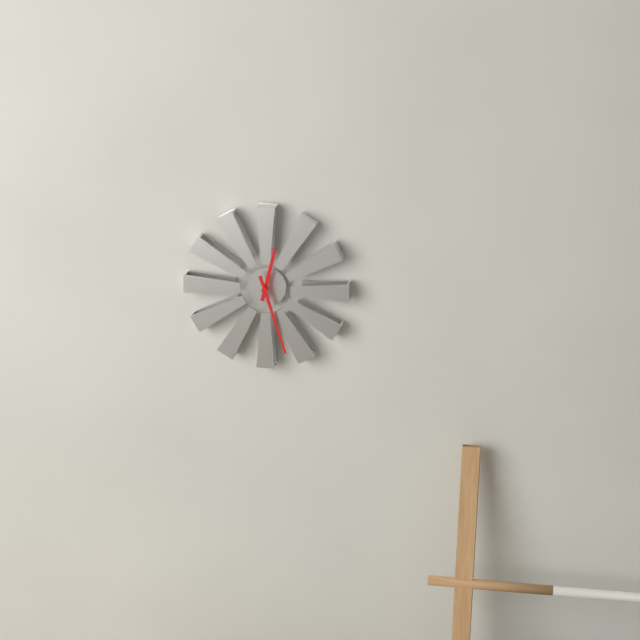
12:27
